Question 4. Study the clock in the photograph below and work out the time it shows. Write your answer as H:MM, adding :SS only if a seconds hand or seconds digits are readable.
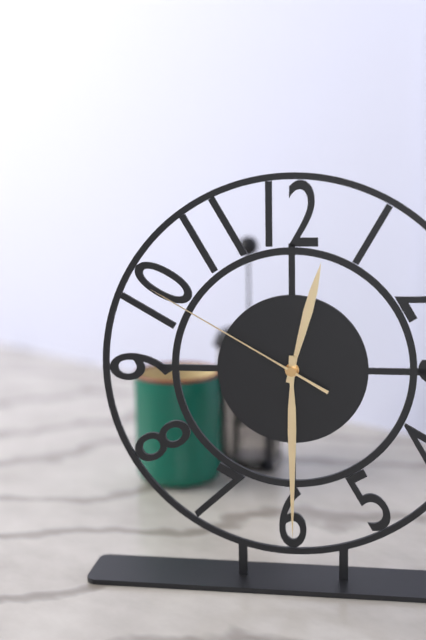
12:30:50
